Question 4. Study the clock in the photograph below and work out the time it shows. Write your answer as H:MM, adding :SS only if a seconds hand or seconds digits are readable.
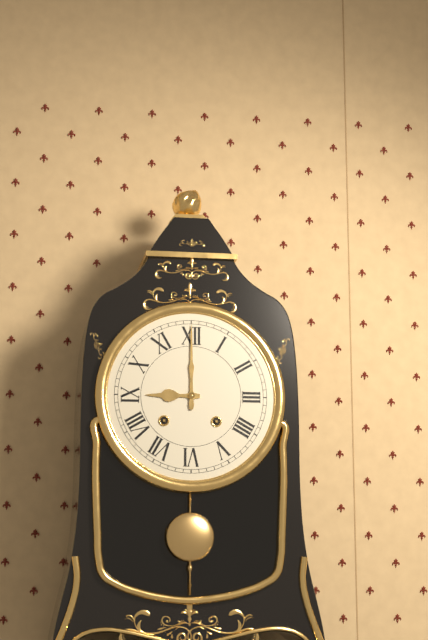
9:00
